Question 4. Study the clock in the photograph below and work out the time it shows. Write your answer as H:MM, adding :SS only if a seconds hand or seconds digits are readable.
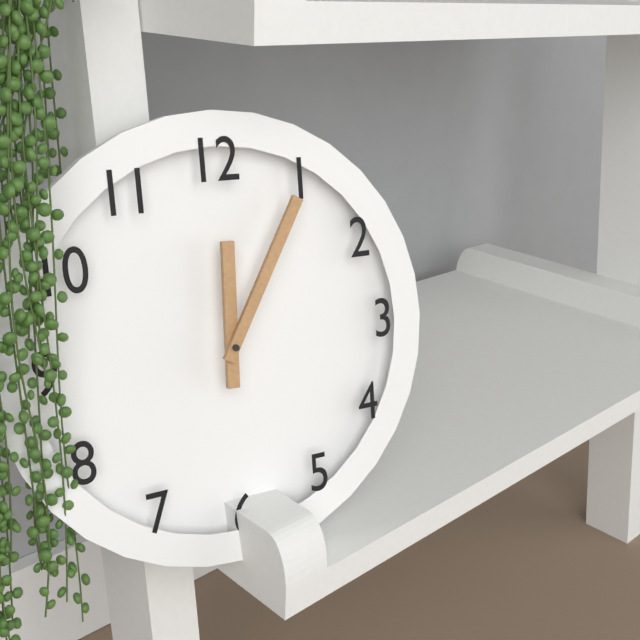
12:05
